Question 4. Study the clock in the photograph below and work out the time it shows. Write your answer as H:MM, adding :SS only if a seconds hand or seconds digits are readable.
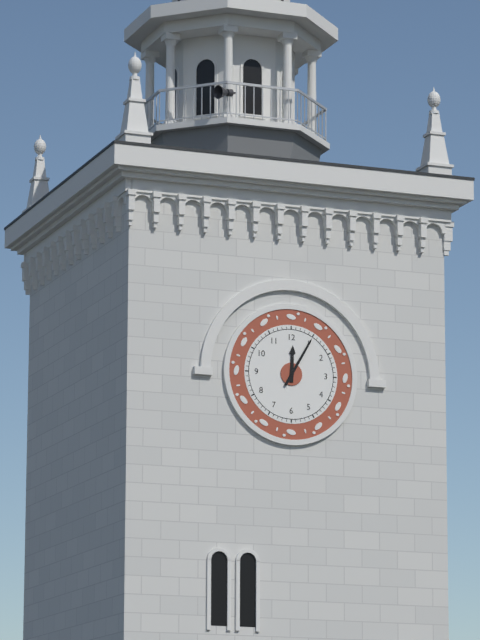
12:05
